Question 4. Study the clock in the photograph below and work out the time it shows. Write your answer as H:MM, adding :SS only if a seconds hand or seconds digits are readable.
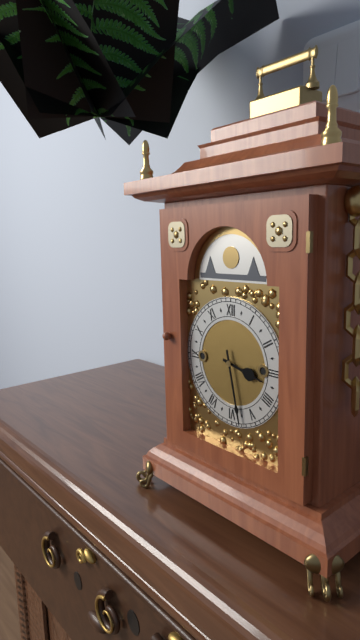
3:28
